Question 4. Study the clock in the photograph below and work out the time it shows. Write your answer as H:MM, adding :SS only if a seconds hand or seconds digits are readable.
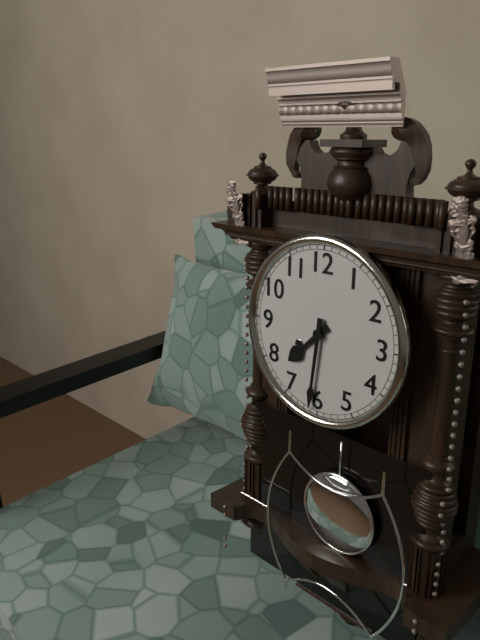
7:31
